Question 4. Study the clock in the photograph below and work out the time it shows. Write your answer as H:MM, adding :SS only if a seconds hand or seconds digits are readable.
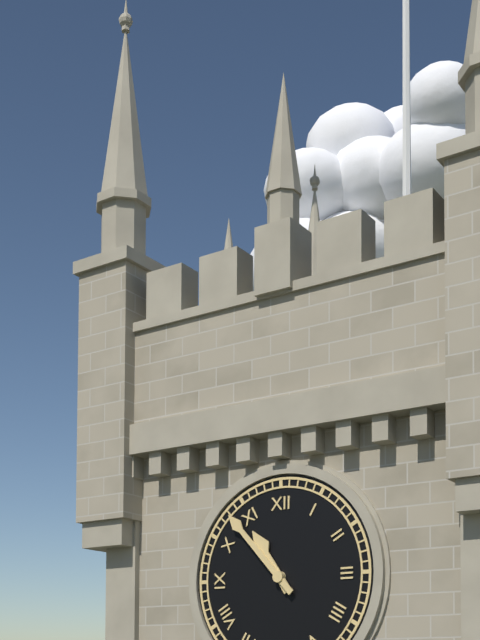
10:53
